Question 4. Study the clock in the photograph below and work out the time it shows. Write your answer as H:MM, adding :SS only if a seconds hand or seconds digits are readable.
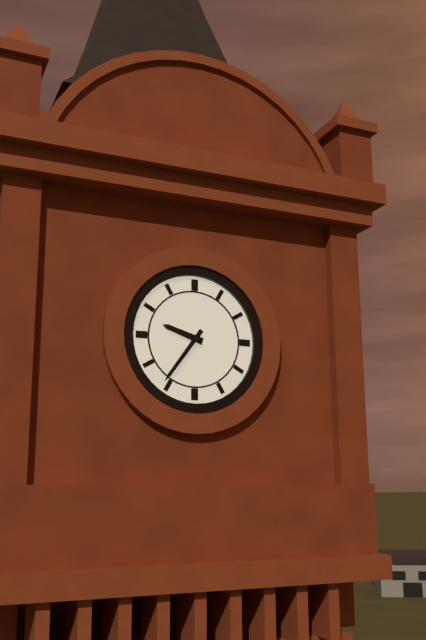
9:36
